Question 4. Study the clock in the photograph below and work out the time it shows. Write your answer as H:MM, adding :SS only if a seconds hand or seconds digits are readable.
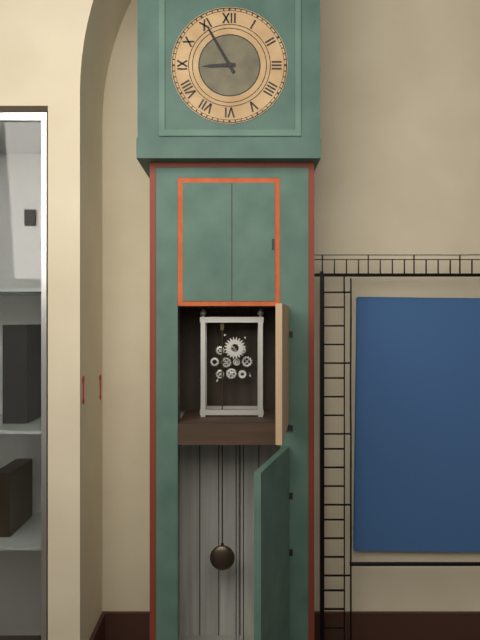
8:55
